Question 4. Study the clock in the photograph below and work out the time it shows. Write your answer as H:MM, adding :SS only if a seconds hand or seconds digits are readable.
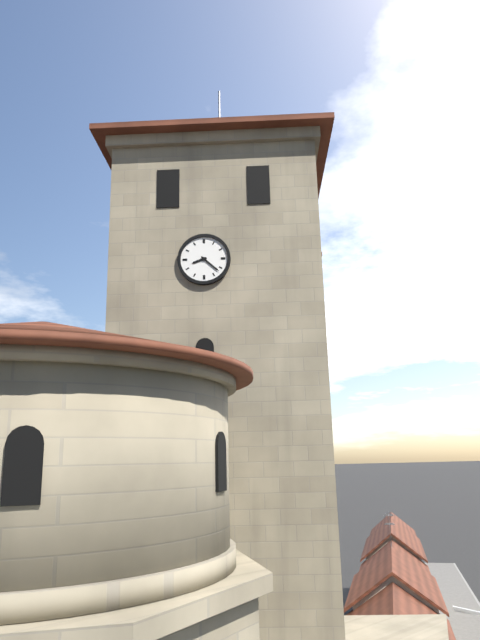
8:22
